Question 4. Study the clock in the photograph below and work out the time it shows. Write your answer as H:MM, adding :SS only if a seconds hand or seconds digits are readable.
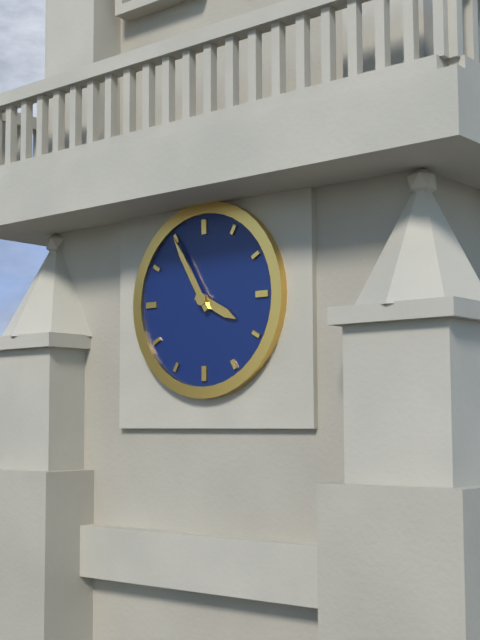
3:55
